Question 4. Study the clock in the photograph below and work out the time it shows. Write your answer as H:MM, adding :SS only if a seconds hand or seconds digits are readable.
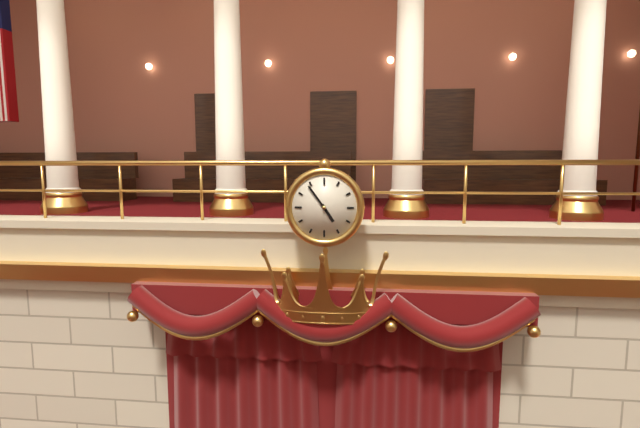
4:54
